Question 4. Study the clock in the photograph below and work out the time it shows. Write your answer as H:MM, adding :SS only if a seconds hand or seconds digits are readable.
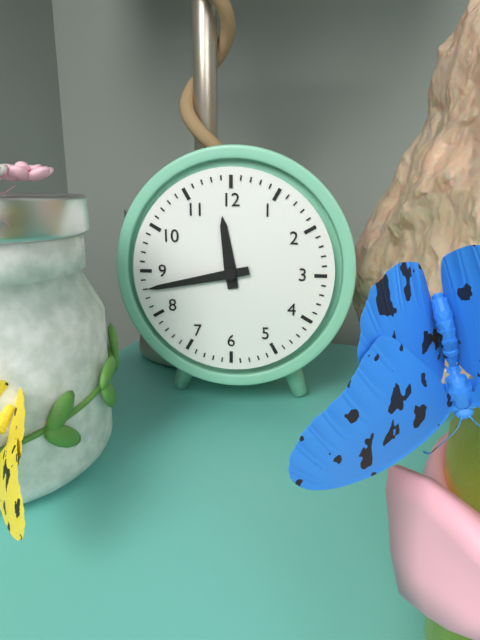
11:43
